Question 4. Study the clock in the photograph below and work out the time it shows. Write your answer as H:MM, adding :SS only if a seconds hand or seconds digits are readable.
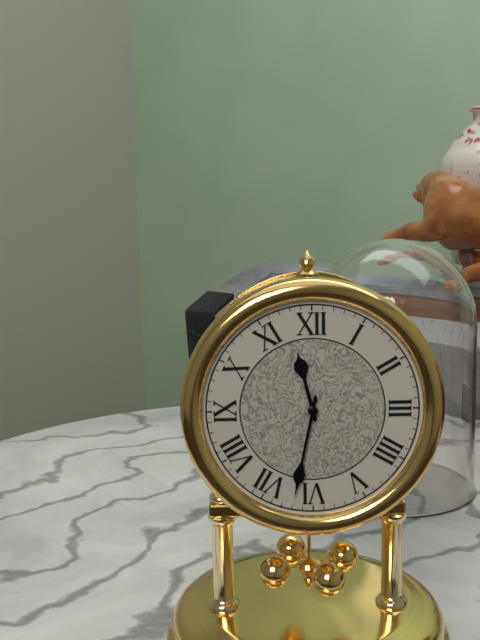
11:32
